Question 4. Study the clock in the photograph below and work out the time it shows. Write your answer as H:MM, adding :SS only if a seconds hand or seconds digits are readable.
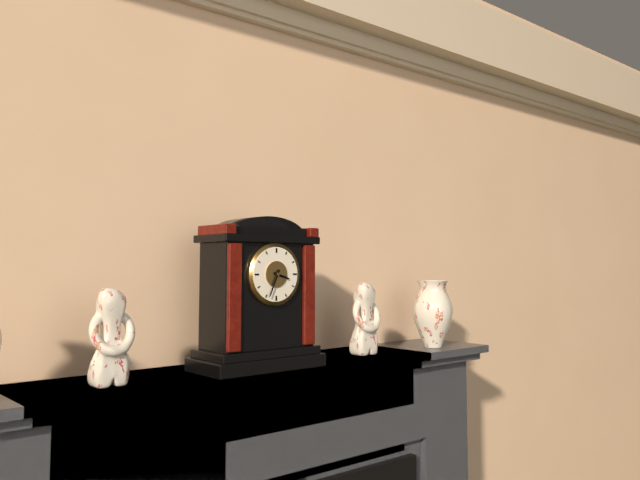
3:34
